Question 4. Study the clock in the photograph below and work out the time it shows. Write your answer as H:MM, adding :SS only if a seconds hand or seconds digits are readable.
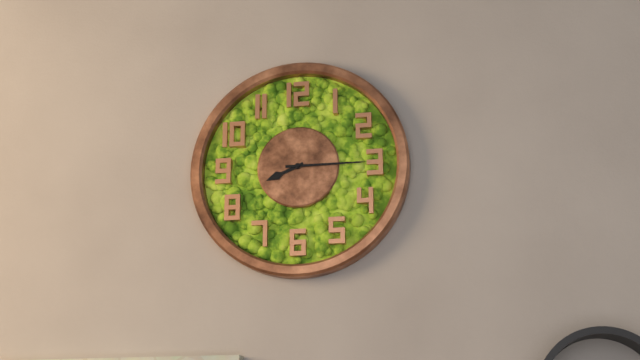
8:15
